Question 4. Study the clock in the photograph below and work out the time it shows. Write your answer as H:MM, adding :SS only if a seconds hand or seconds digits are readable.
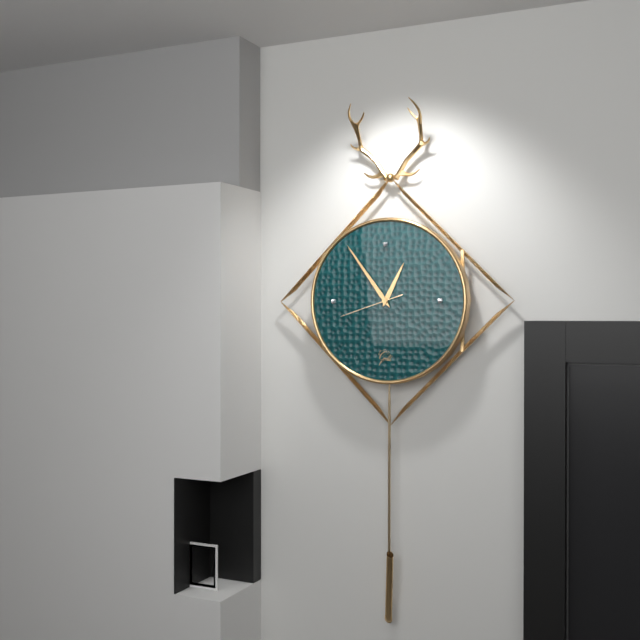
12:54:42
